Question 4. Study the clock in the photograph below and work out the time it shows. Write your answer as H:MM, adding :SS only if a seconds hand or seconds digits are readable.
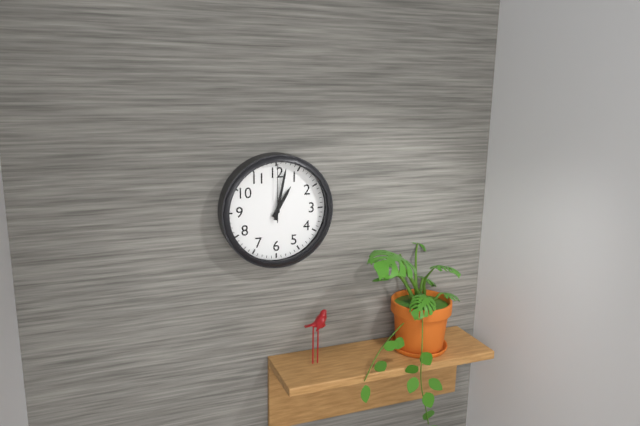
1:02:00
